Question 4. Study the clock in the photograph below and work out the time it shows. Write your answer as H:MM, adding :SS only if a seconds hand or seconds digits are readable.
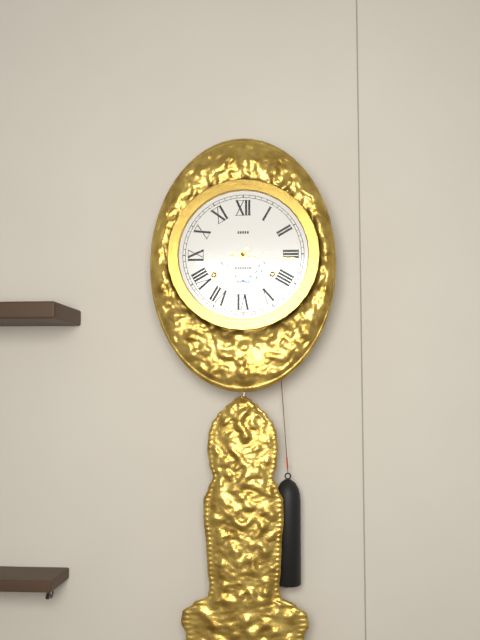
7:16
